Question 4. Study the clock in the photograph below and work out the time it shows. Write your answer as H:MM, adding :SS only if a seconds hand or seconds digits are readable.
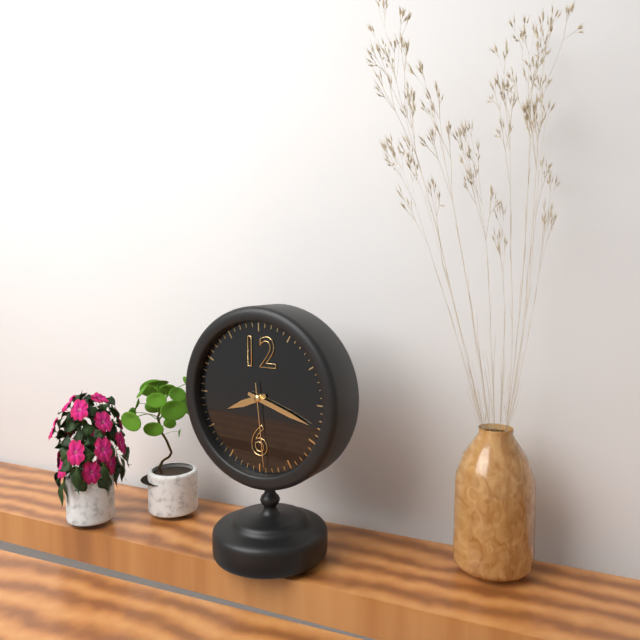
8:18:29
